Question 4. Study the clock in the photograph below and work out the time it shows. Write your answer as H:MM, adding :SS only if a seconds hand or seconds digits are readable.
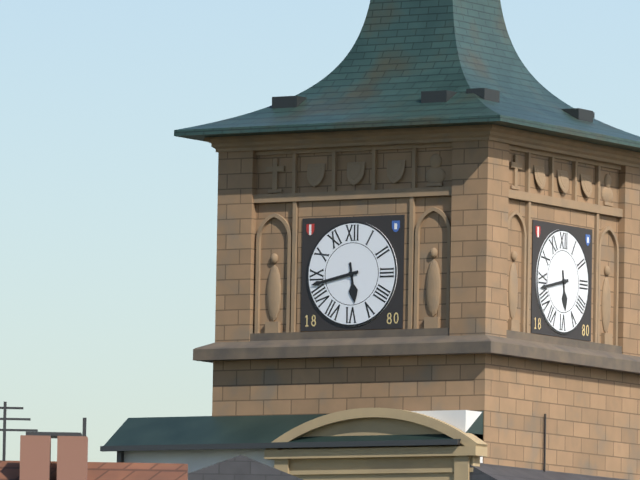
5:43
